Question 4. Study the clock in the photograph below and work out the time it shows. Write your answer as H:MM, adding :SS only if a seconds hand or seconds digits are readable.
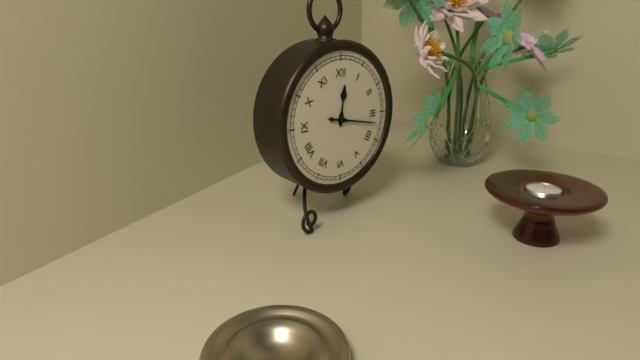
12:17
